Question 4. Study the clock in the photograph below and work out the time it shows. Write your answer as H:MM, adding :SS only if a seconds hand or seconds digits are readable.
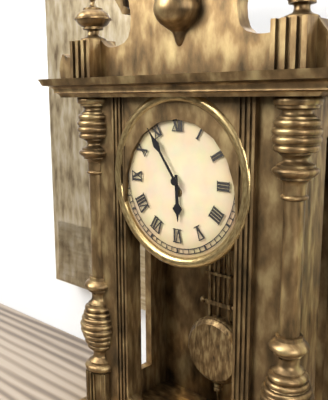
5:54
